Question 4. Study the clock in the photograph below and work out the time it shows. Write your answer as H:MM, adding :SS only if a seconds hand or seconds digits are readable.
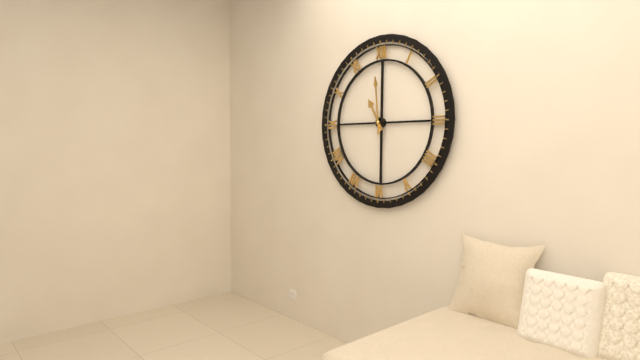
10:59
